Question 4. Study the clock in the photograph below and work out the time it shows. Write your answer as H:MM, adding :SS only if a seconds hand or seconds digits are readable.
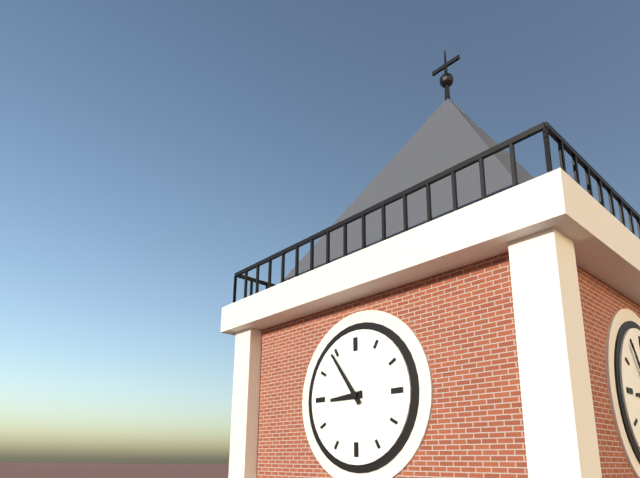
8:54
